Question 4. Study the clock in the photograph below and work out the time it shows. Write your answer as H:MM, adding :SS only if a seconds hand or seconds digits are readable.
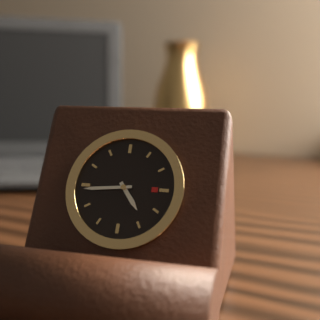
4:44
